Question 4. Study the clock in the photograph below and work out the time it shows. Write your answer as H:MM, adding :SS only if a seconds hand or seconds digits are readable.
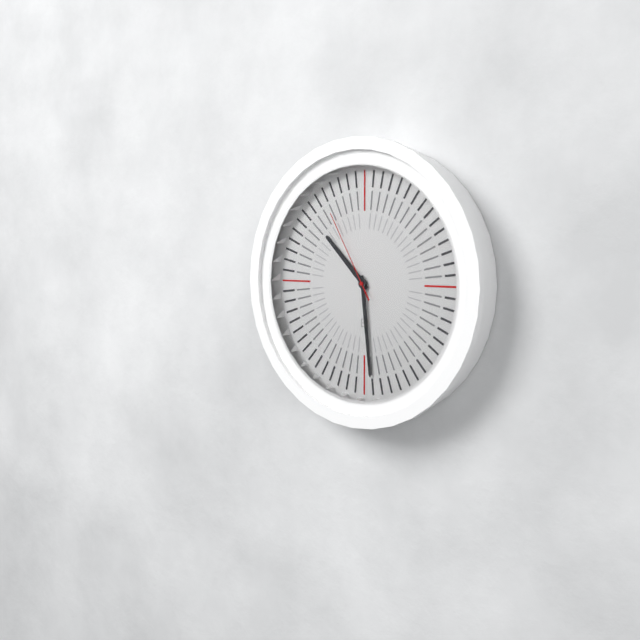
10:29:55
